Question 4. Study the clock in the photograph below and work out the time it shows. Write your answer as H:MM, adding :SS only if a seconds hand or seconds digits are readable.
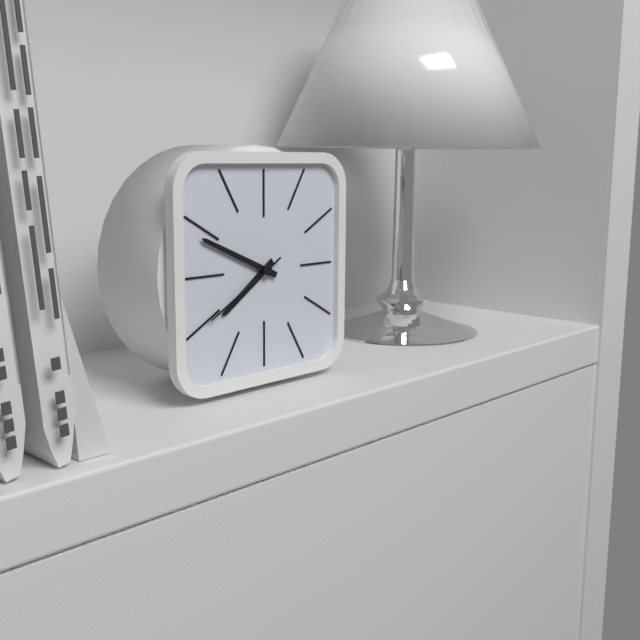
7:49:40
